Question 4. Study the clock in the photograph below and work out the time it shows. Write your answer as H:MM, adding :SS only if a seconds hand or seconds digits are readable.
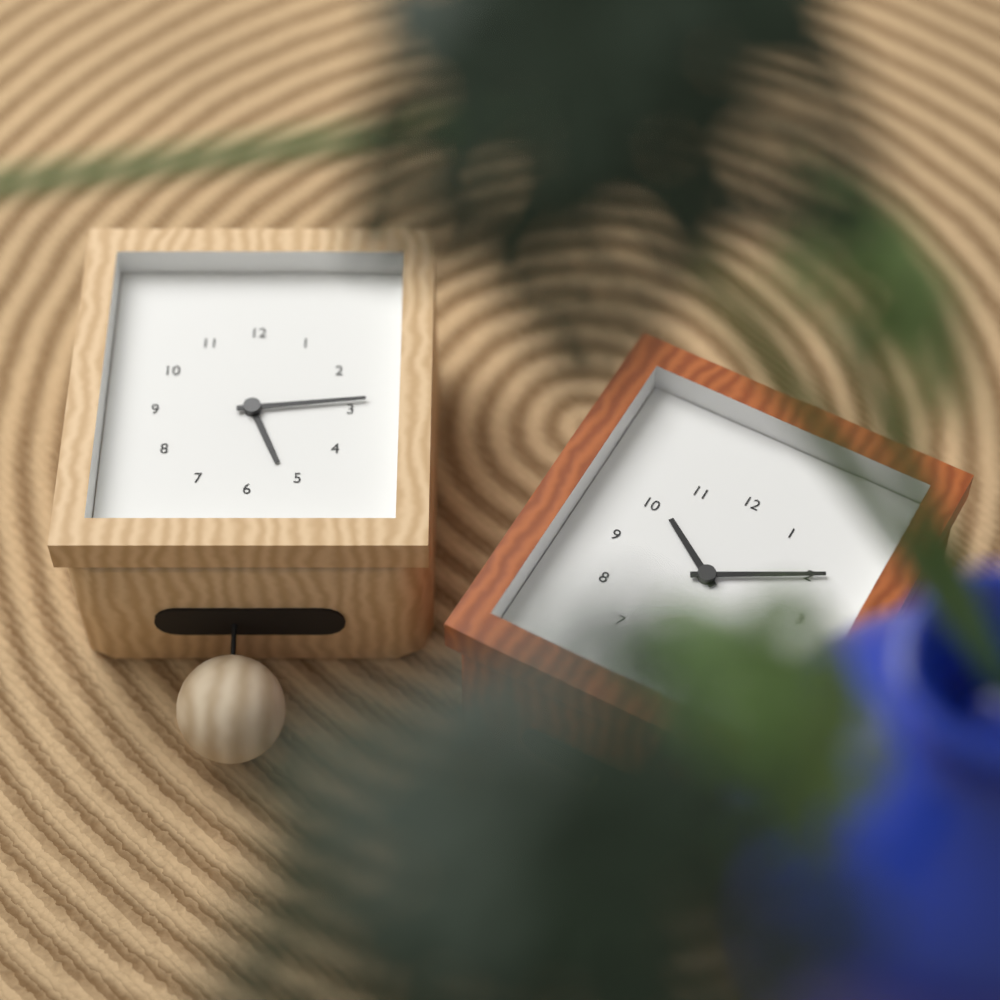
5:14
